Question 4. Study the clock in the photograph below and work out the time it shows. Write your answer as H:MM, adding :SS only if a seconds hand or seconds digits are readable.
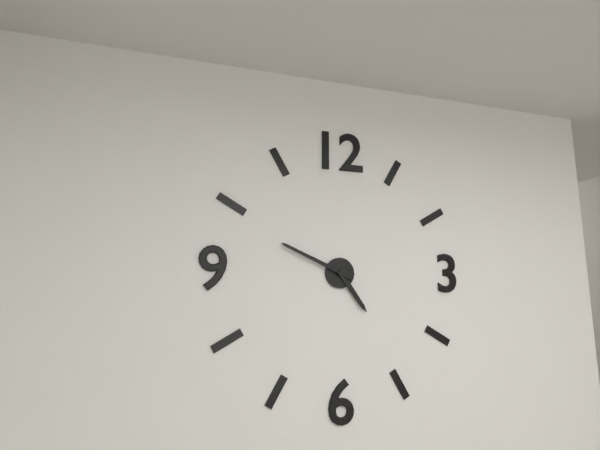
4:49
